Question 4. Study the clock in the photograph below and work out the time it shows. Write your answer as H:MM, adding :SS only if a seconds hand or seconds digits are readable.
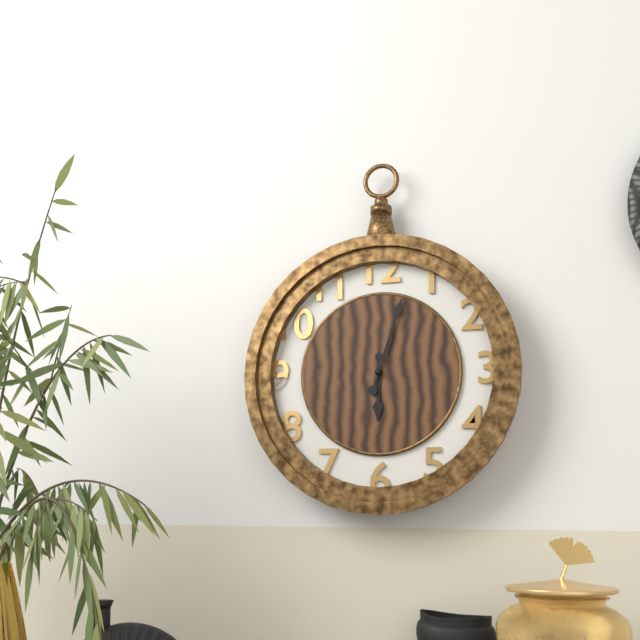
6:03
